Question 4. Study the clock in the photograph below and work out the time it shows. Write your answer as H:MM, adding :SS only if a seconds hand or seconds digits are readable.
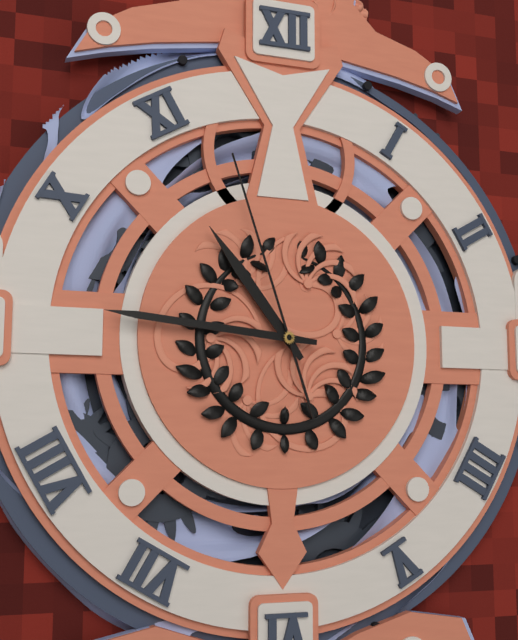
10:46:57
